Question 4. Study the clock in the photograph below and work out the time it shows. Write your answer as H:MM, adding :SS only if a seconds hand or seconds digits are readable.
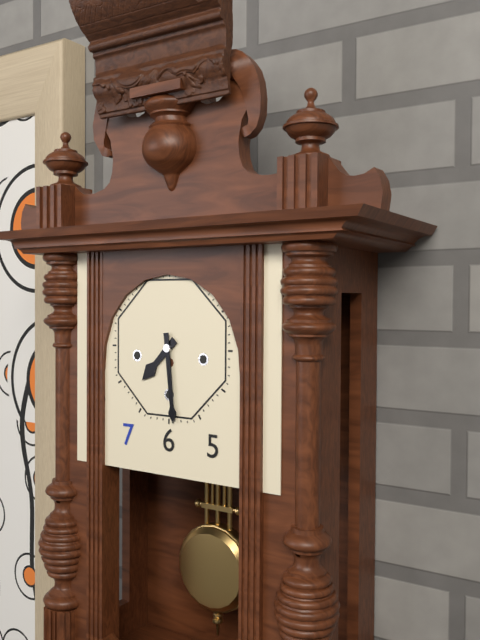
7:29
